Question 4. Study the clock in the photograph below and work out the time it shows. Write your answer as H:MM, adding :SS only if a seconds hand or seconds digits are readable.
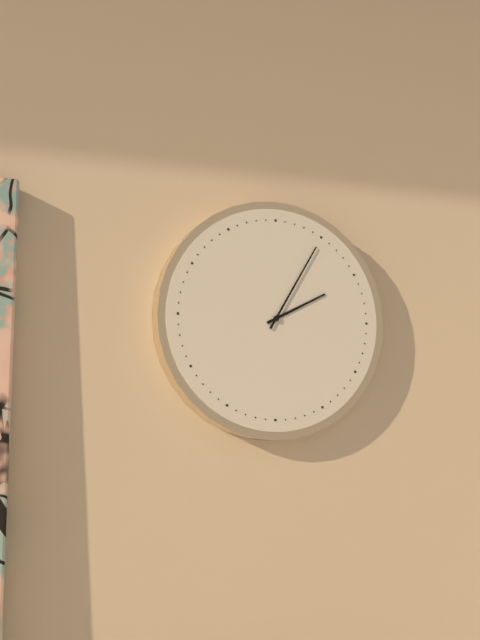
2:05
